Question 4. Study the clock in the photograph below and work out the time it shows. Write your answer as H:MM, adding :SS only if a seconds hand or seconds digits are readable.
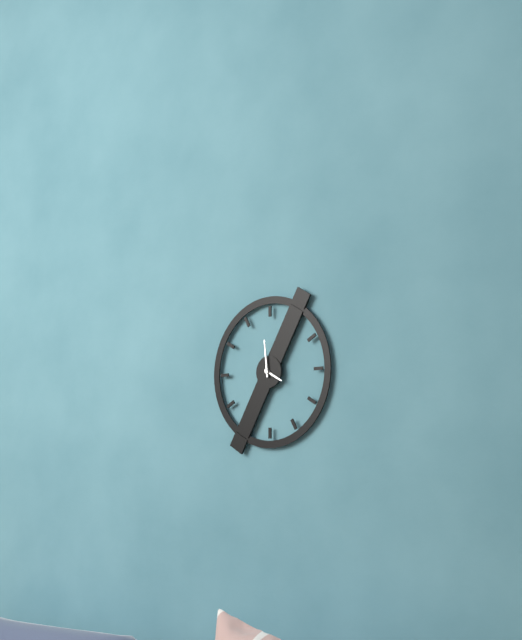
3:59
